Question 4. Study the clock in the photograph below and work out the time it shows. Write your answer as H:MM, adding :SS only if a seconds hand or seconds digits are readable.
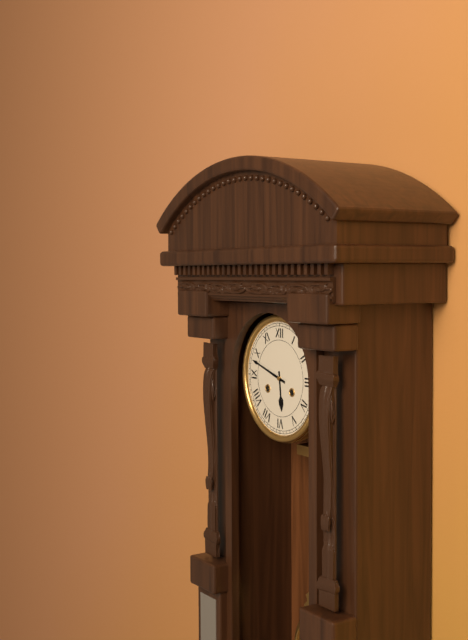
5:48
